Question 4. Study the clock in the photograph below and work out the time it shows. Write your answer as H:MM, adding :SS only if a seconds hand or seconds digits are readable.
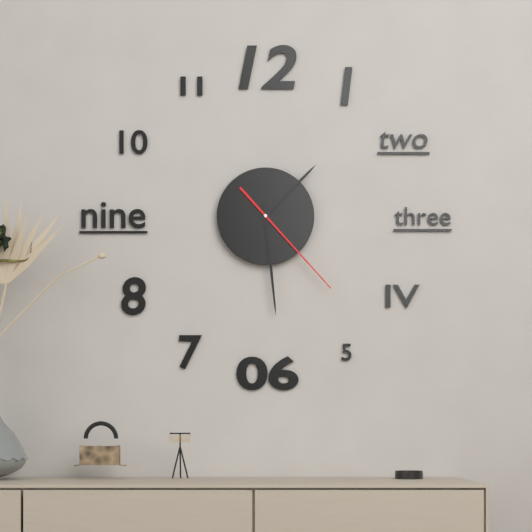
1:29:23
